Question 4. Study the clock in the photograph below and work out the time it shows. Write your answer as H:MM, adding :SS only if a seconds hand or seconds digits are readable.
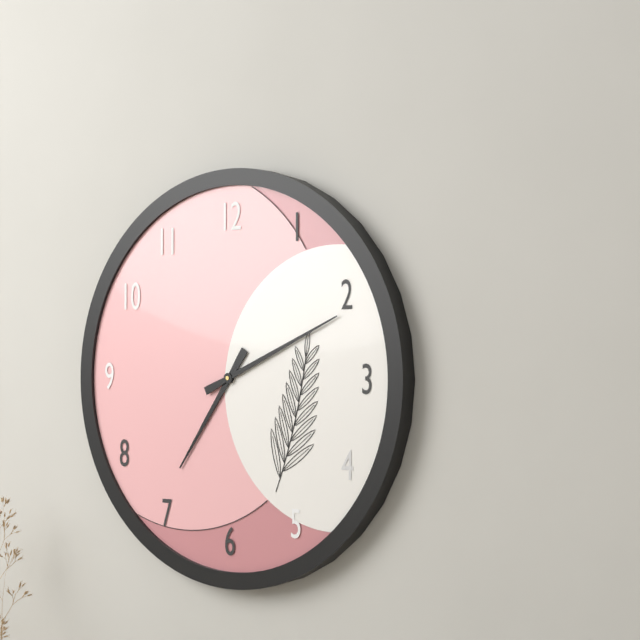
7:11
